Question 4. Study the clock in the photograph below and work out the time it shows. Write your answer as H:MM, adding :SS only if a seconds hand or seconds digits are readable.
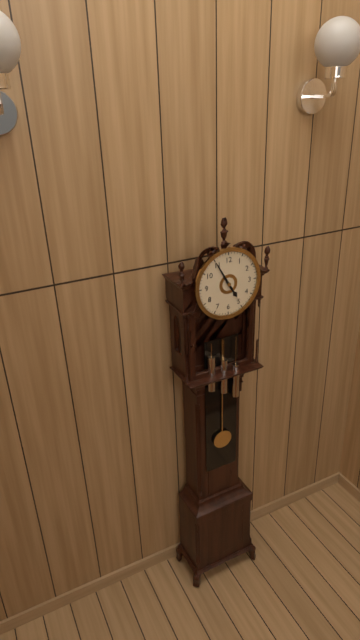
4:55
